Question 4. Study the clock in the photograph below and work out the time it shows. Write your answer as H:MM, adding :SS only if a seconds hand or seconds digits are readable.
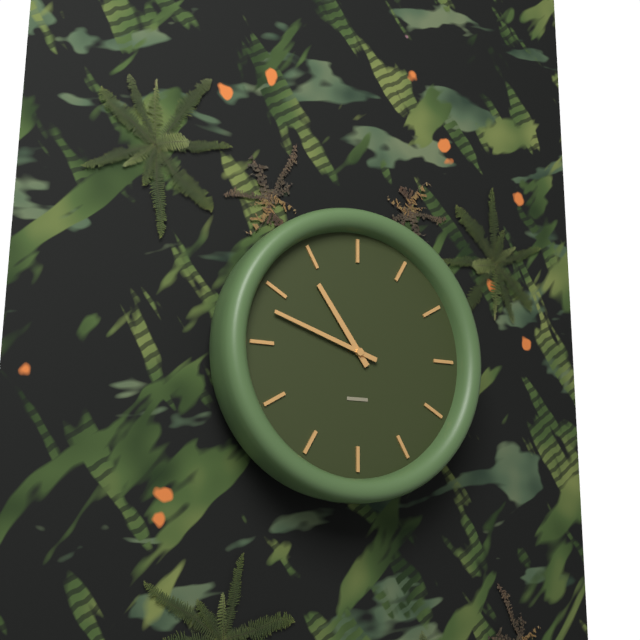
10:48
